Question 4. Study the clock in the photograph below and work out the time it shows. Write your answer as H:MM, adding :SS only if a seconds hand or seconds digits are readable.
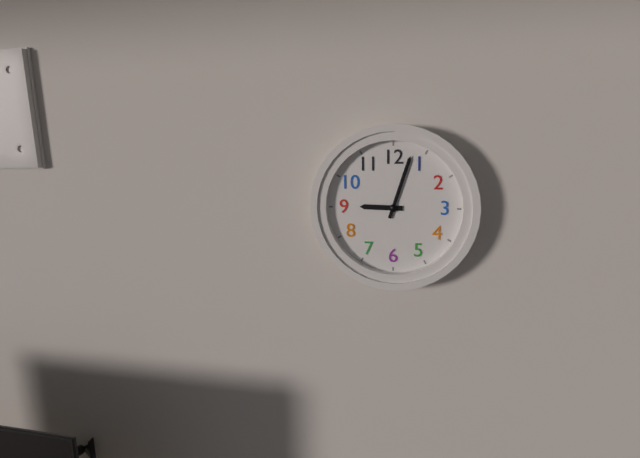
9:03
